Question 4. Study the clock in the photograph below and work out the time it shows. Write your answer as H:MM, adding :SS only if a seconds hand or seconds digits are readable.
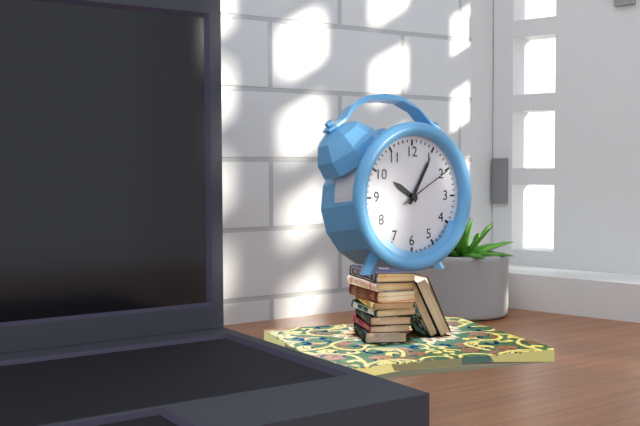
10:05:10
